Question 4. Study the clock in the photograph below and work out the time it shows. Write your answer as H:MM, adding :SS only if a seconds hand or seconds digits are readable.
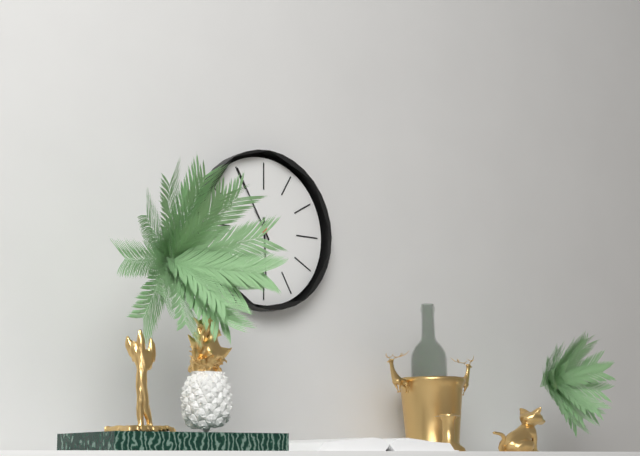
5:55
